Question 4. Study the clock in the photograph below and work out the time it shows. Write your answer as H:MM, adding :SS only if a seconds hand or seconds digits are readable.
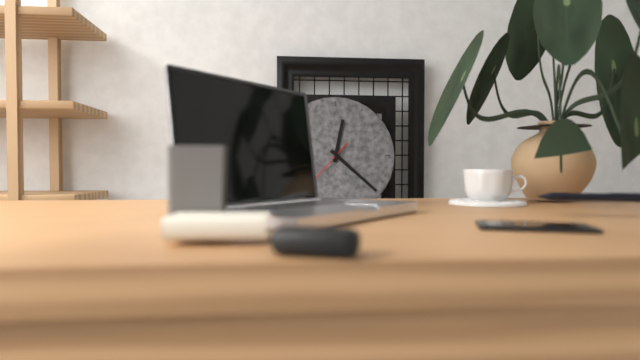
12:22
